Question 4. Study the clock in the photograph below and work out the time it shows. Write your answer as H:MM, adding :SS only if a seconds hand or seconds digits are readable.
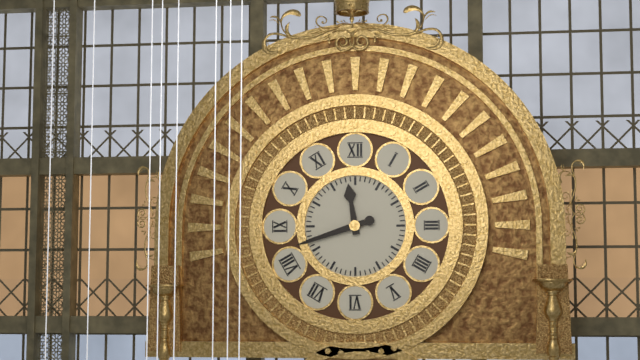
11:42
